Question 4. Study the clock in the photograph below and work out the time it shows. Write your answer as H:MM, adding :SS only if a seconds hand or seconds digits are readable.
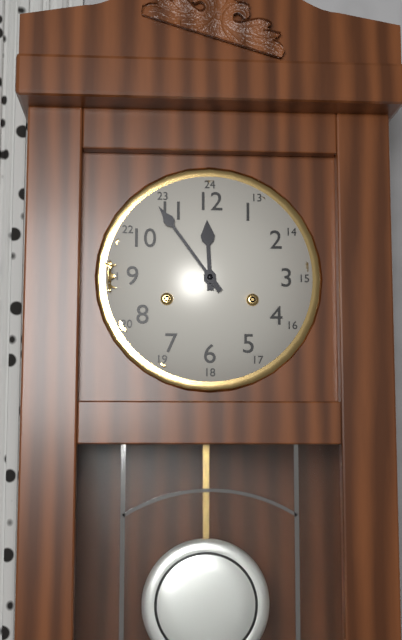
11:54
